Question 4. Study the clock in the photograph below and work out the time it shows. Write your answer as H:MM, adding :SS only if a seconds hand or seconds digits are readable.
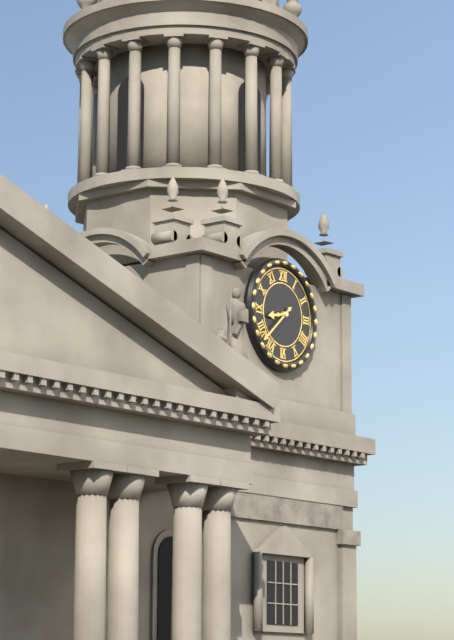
8:38
